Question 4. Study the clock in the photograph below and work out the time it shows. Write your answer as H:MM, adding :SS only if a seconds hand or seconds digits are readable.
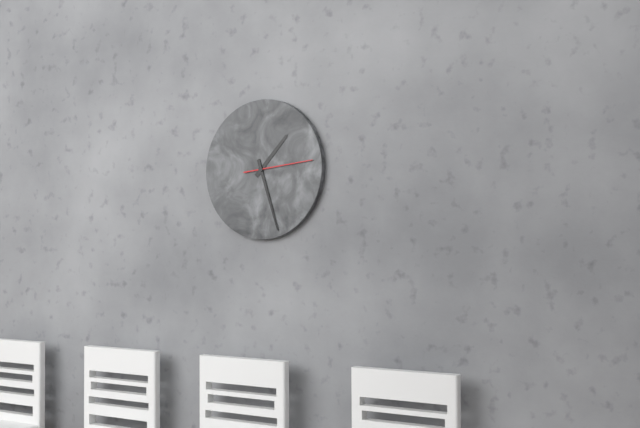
1:27:14
